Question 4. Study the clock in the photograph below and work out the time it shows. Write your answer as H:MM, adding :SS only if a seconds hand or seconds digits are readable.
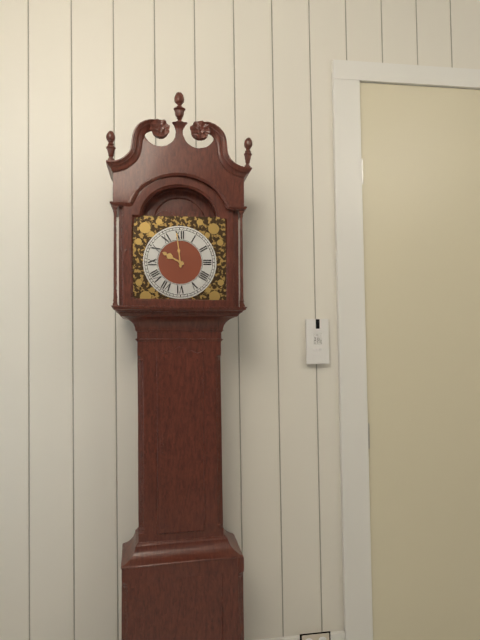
9:59
